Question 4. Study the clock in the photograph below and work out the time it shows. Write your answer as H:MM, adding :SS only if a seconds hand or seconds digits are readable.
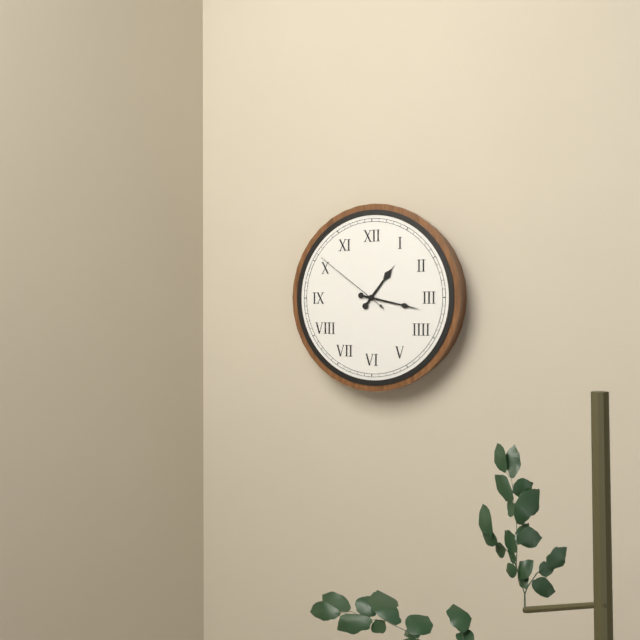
1:17:51
